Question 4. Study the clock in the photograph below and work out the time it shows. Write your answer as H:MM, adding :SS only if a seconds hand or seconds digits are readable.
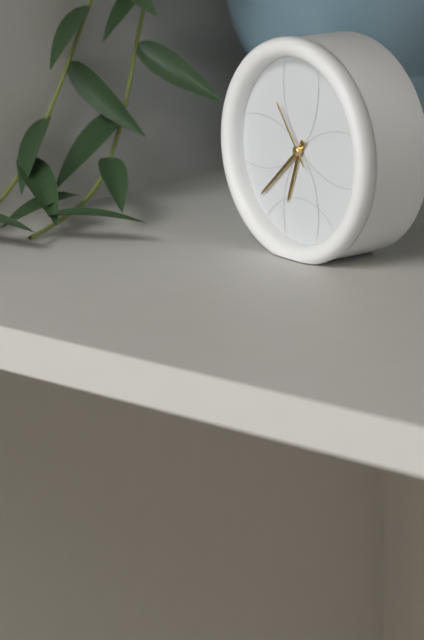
6:38:54
